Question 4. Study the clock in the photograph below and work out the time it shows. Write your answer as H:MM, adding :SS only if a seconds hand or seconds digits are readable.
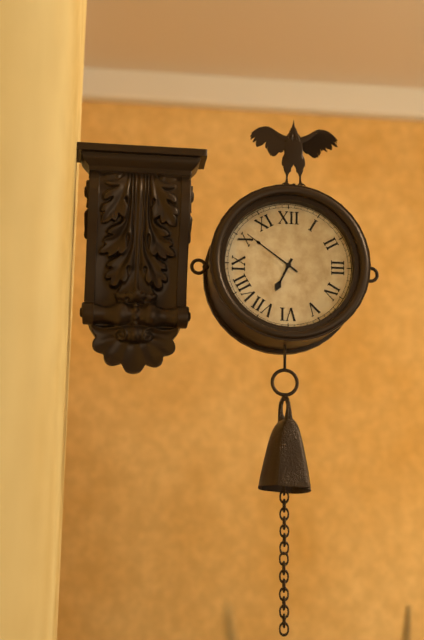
6:51
